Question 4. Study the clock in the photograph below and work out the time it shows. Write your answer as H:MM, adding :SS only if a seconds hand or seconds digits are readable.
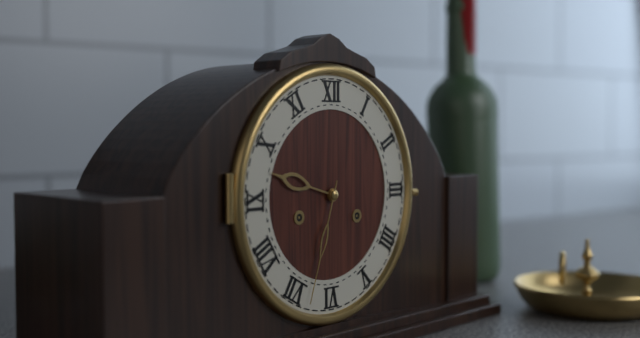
9:33
